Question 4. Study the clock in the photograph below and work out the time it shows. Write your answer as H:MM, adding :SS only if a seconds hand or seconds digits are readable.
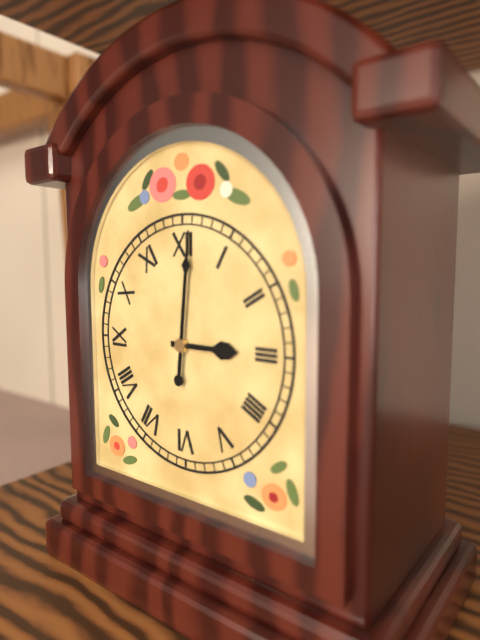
3:01
